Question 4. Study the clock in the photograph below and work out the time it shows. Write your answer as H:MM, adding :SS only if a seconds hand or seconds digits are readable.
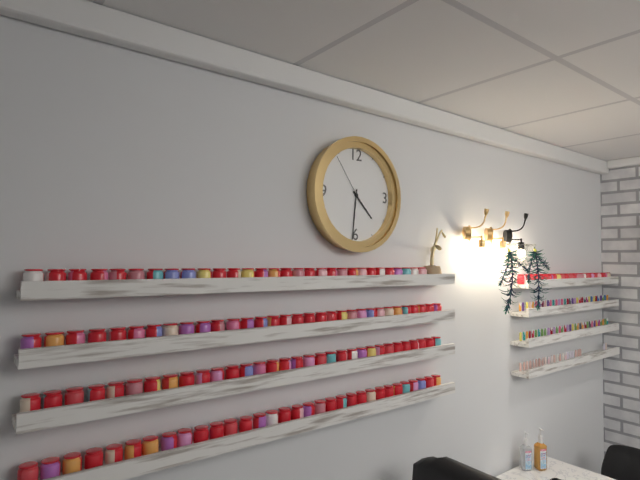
4:31:54
